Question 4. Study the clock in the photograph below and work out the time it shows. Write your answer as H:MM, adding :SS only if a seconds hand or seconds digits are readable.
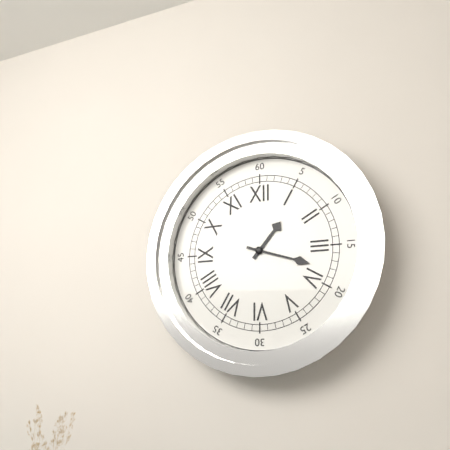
1:18
